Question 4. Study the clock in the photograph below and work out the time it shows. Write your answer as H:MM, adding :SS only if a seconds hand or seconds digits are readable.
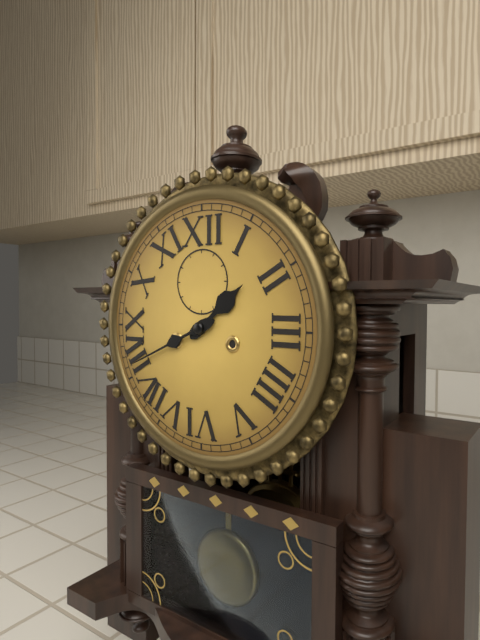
1:41
